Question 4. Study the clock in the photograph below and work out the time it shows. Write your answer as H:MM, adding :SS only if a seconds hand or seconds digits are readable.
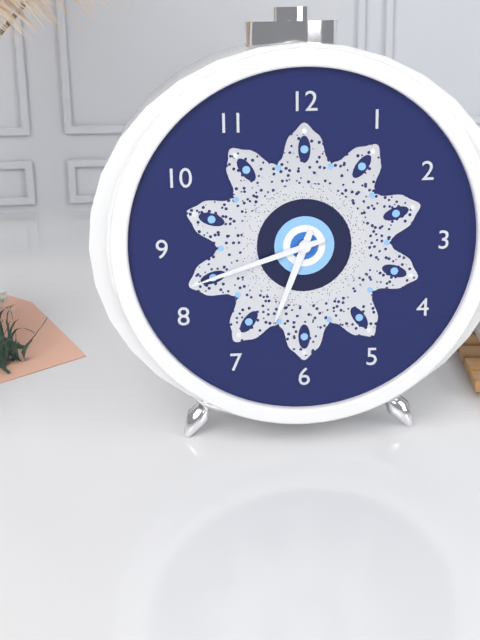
6:42
